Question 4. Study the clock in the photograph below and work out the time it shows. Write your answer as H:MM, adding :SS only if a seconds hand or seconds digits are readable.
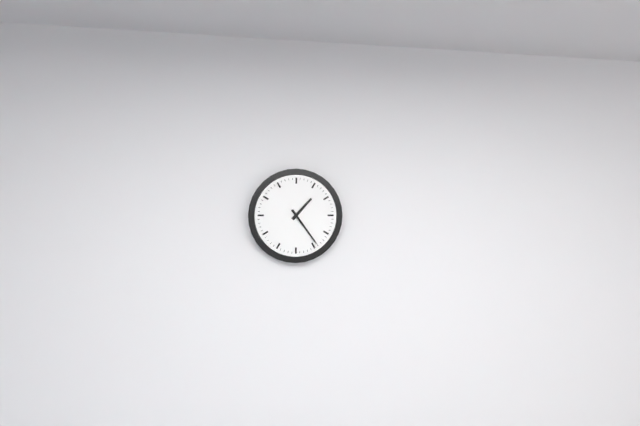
1:24
